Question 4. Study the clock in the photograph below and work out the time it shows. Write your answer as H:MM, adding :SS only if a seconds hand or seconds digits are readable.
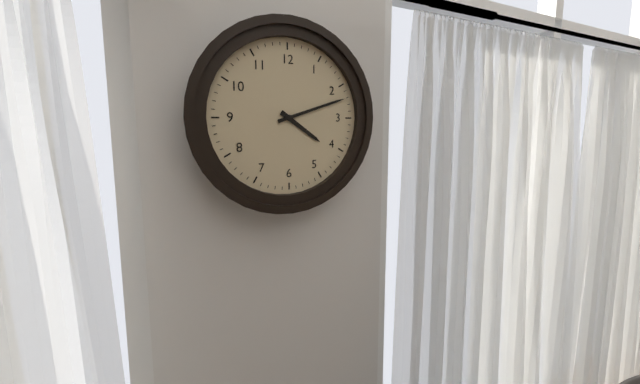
4:12
